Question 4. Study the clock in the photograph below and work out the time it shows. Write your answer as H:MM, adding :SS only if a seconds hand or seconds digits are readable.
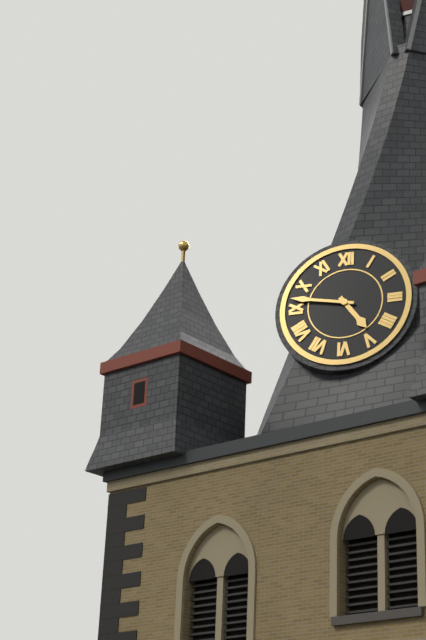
4:47
